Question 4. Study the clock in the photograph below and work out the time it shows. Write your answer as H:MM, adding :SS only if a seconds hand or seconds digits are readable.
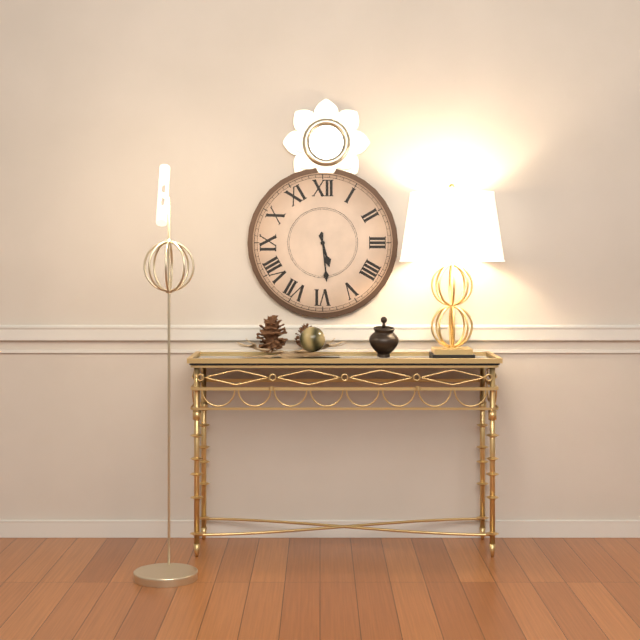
5:29
